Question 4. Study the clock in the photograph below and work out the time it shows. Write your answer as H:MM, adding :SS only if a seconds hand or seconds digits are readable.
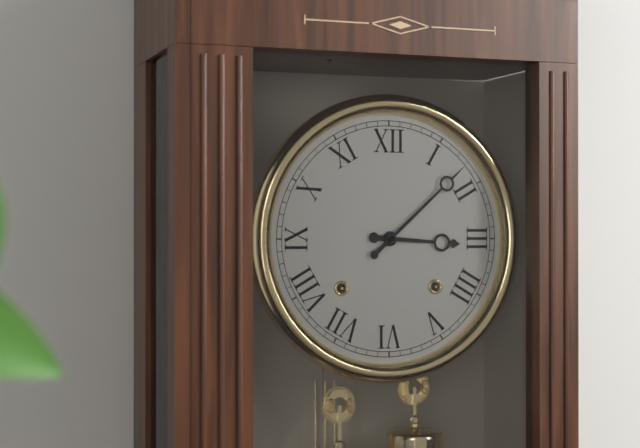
3:08
